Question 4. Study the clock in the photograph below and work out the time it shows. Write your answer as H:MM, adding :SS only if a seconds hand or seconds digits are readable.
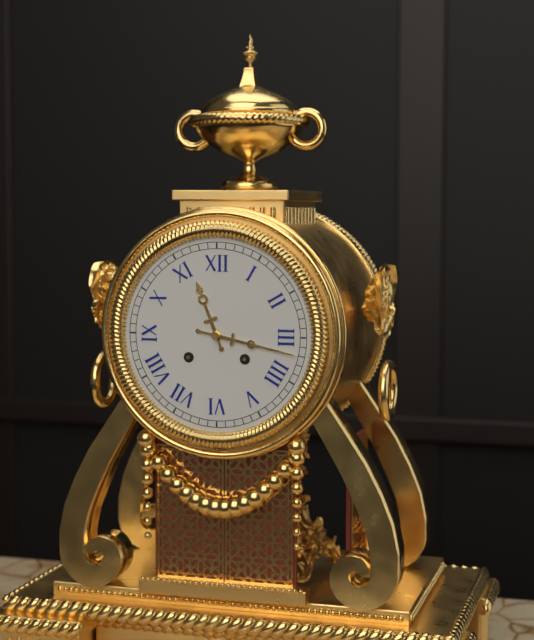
11:17
